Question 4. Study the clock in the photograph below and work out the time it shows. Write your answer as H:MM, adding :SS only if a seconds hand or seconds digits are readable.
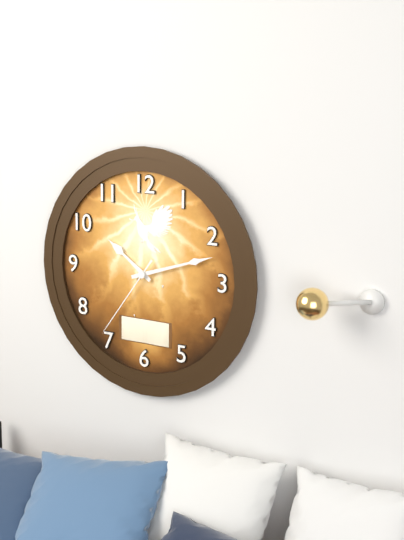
10:12:36
